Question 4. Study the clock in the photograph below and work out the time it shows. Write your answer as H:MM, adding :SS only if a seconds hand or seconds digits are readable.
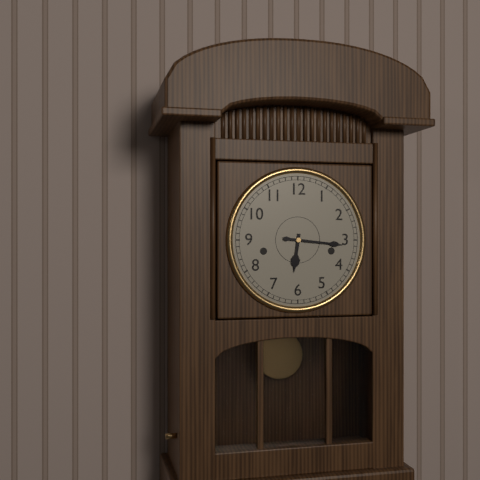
6:16
